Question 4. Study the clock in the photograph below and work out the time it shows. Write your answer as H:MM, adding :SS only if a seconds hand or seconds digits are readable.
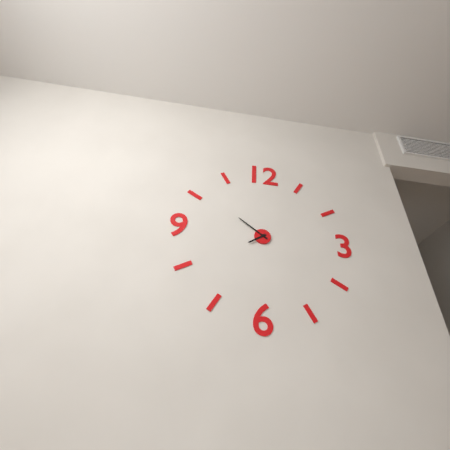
7:51
